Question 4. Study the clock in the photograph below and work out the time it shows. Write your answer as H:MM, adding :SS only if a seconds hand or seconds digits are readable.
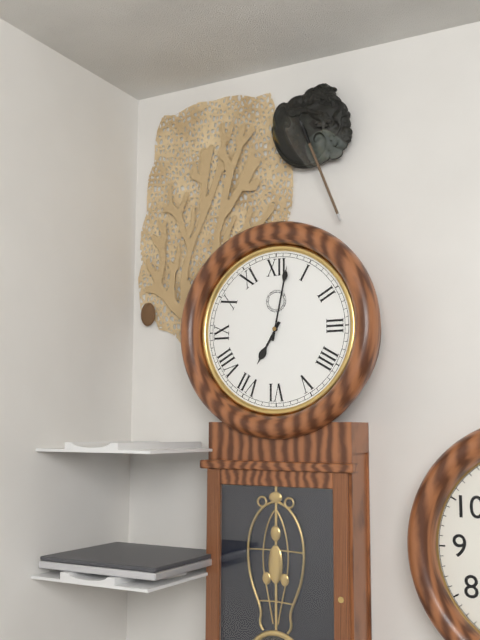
7:02
